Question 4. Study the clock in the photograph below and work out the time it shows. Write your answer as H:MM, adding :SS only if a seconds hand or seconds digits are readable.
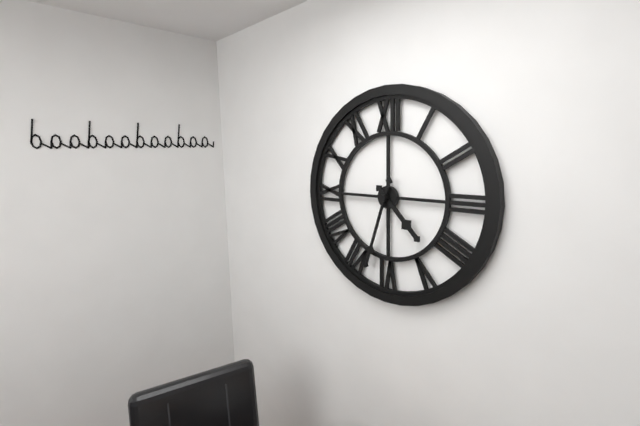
4:33
